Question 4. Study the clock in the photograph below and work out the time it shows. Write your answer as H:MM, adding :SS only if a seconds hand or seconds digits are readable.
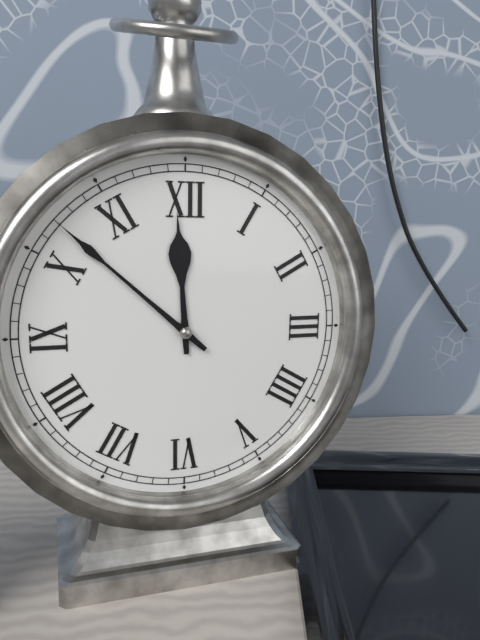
11:52
